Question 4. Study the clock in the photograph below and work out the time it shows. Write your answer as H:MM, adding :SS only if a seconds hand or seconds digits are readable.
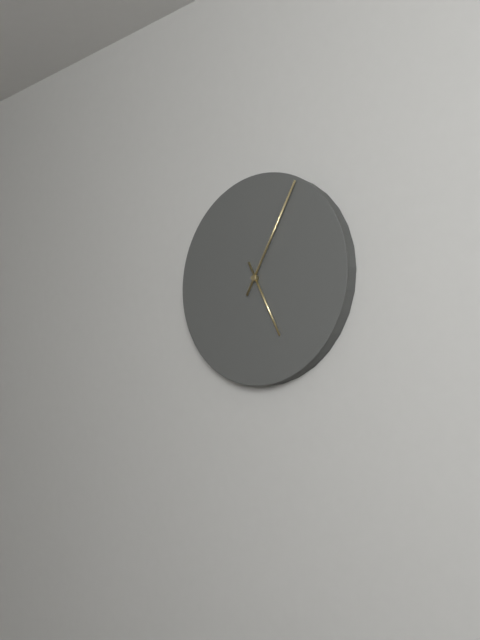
5:05
